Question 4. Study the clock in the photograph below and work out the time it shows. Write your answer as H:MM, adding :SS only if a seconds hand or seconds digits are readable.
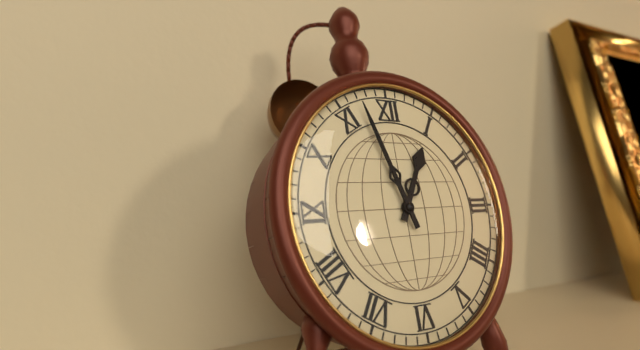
12:57
